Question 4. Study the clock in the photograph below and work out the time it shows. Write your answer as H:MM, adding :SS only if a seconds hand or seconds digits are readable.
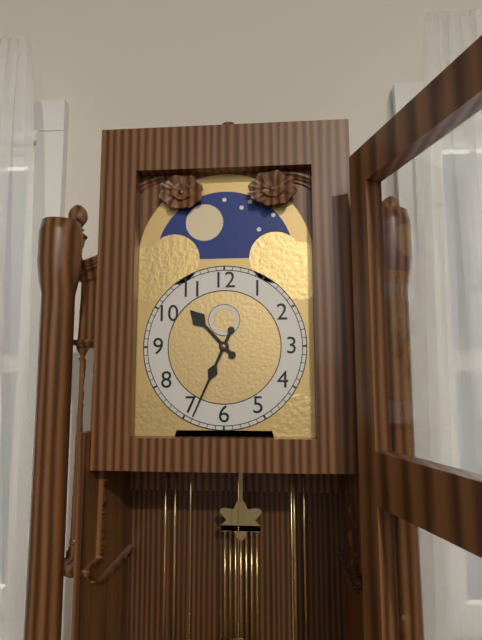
10:34
